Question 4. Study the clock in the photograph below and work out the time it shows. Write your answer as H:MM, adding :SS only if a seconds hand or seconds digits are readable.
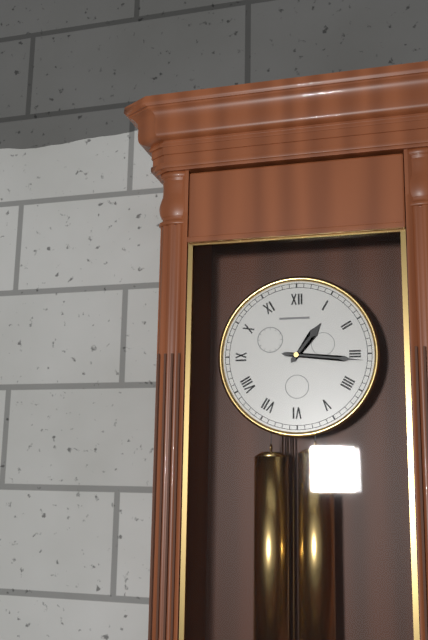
1:16
